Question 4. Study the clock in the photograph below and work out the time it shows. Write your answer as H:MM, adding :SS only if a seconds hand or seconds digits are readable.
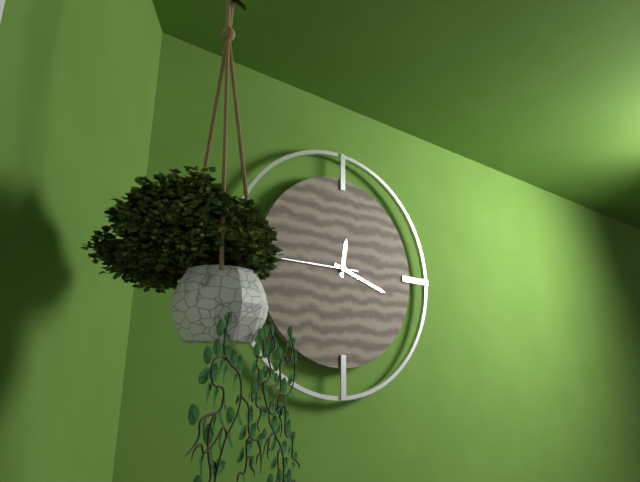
12:18:45
